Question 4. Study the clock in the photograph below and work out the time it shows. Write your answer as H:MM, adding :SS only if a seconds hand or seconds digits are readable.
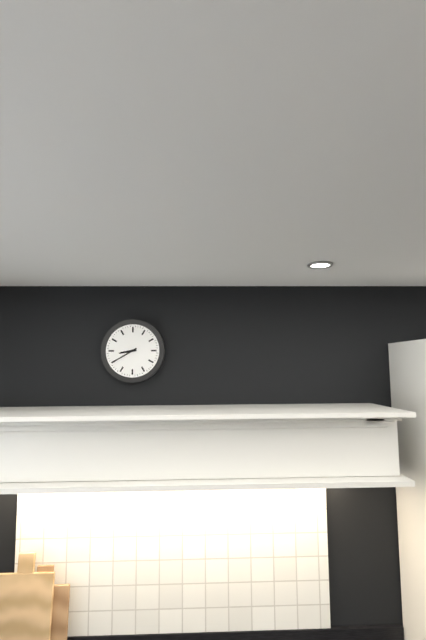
8:40
